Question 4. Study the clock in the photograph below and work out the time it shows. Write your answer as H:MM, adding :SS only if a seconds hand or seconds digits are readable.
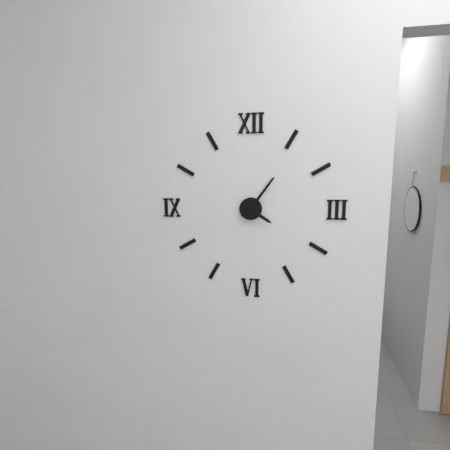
4:06
